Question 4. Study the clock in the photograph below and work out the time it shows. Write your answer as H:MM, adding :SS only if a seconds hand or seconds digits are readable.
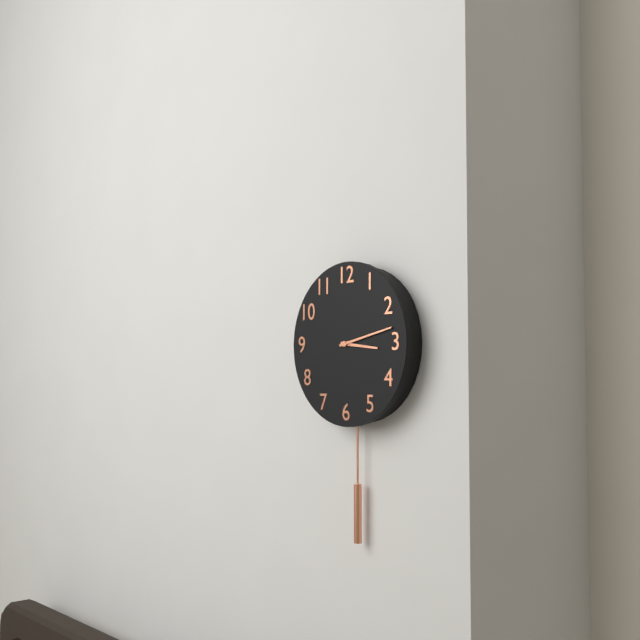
3:13
